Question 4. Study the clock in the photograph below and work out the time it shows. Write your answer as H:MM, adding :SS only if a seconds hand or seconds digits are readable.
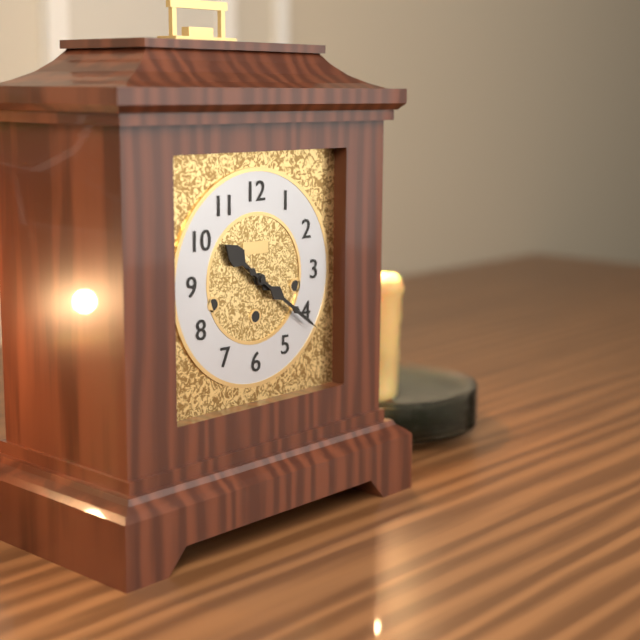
10:21
